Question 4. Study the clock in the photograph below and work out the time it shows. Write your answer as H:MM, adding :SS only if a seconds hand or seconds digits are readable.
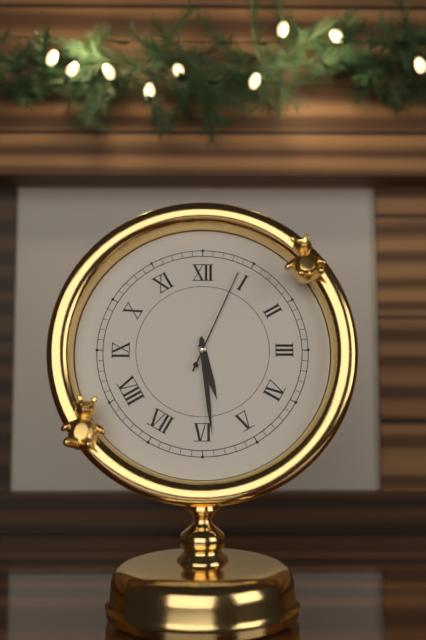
5:29:04
